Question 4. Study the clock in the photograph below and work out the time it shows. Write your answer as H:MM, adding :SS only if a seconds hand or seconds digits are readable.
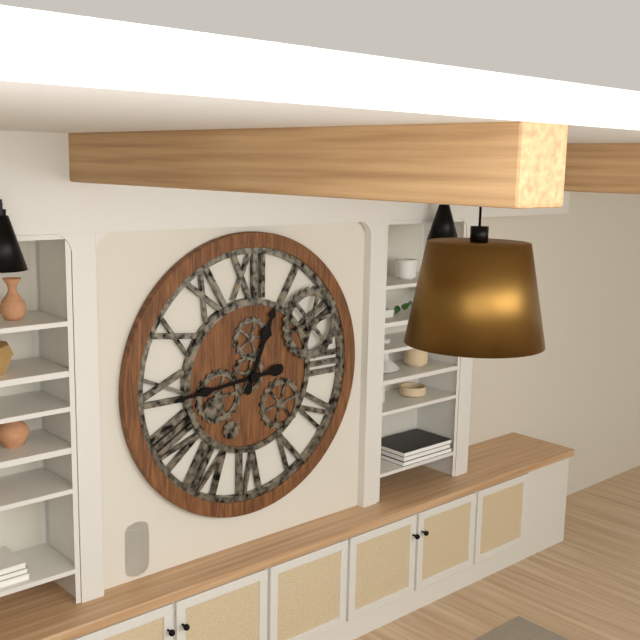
12:44
